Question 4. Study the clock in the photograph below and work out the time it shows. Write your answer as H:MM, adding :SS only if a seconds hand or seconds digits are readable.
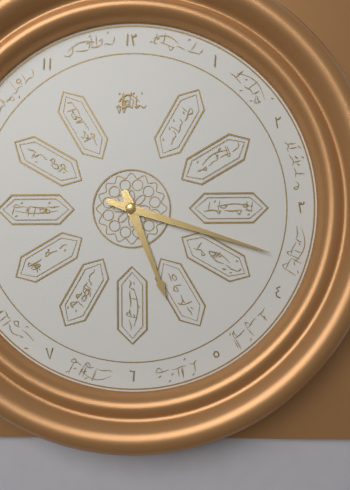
5:18
